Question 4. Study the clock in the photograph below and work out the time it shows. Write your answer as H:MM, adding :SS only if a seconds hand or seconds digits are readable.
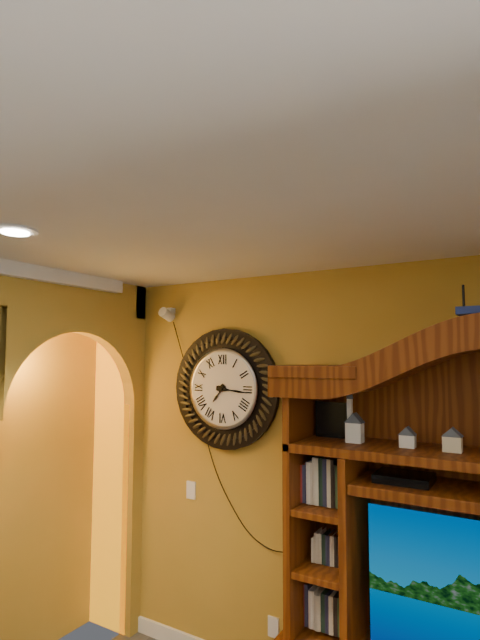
7:16
